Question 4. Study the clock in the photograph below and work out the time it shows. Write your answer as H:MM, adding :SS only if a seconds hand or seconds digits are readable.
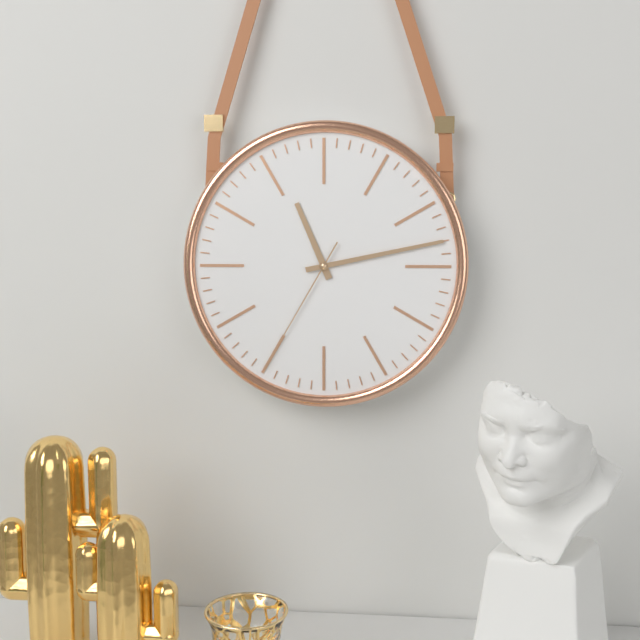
11:13:35
